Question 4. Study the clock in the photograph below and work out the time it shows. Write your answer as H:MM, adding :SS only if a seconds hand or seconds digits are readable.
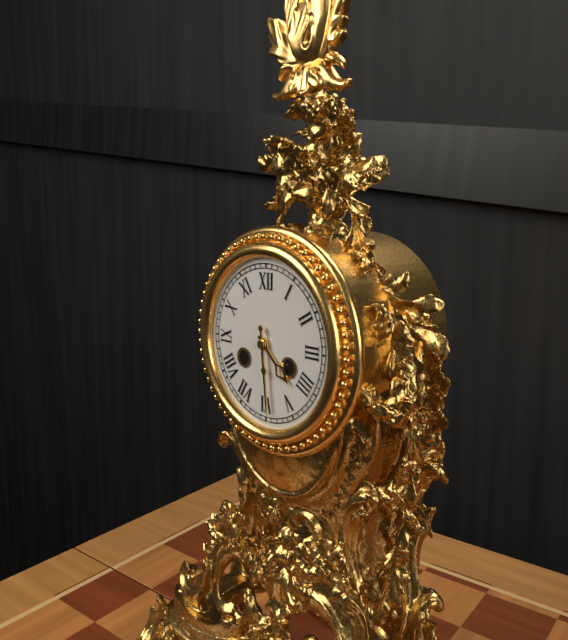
4:29
